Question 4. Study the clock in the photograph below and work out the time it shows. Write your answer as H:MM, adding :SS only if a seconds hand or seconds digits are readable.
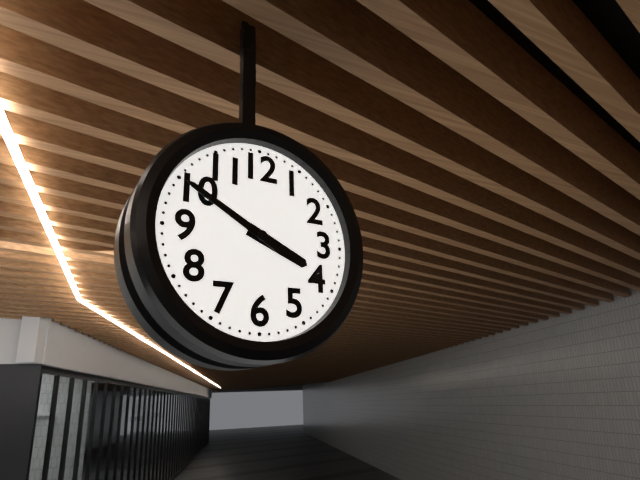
3:50
